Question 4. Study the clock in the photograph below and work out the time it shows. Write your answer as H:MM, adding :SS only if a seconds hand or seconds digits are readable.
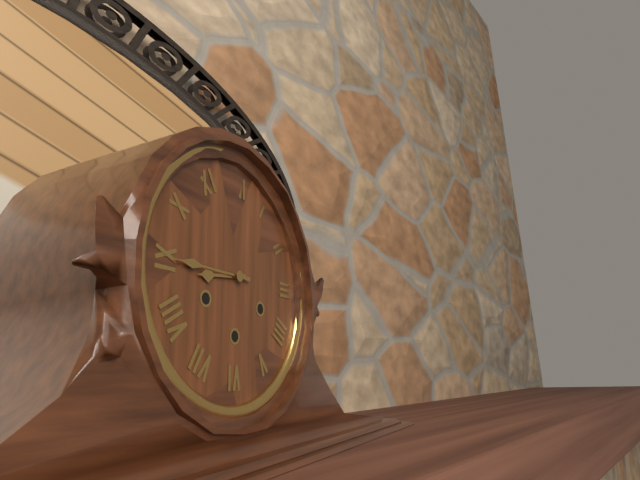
8:45
